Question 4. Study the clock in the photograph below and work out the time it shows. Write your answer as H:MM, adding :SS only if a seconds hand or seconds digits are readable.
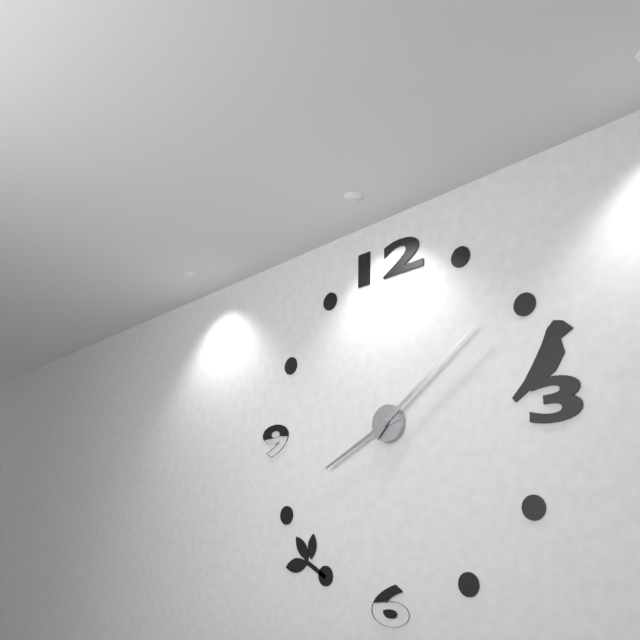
8:09
